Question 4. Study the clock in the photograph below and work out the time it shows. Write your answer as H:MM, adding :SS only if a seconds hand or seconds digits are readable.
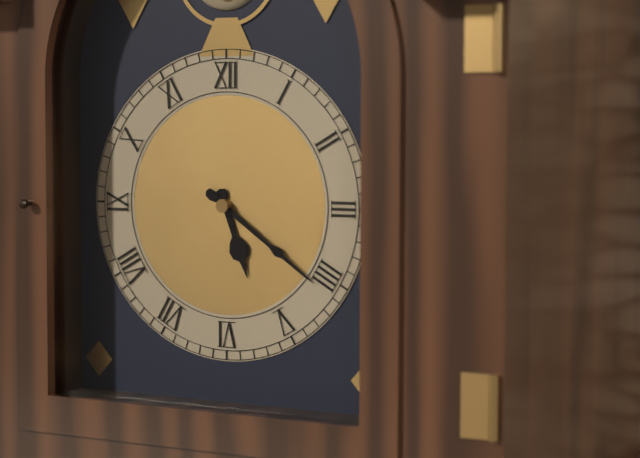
5:21
